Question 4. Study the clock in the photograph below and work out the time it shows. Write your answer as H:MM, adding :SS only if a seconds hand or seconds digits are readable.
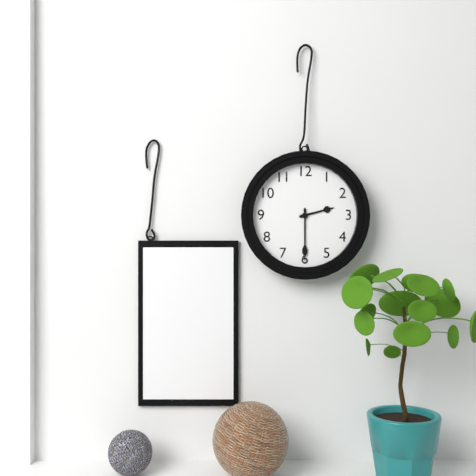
2:30
